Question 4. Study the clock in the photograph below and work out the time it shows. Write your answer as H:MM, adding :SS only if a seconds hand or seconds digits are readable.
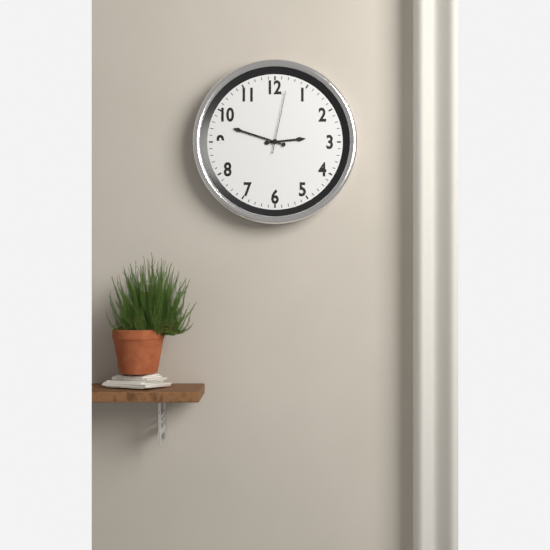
2:48:02
